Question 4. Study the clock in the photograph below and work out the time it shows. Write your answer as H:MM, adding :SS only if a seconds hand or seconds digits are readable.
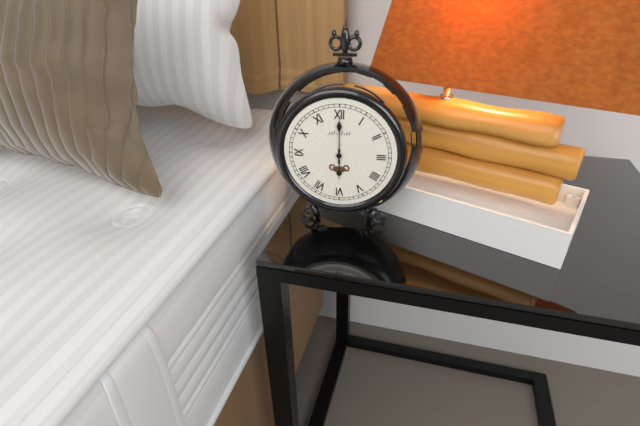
6:00
